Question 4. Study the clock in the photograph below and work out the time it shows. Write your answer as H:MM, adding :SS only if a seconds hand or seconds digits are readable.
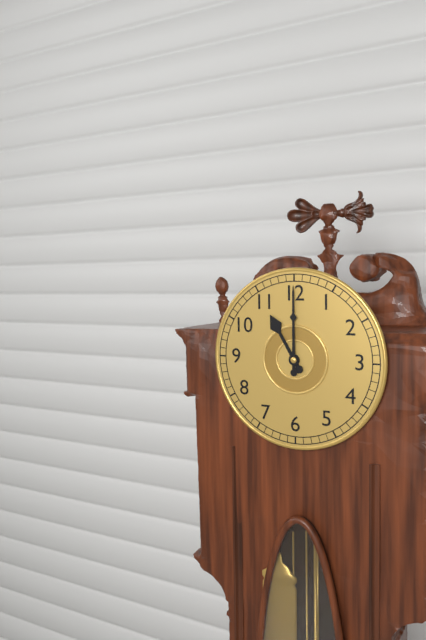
11:00
